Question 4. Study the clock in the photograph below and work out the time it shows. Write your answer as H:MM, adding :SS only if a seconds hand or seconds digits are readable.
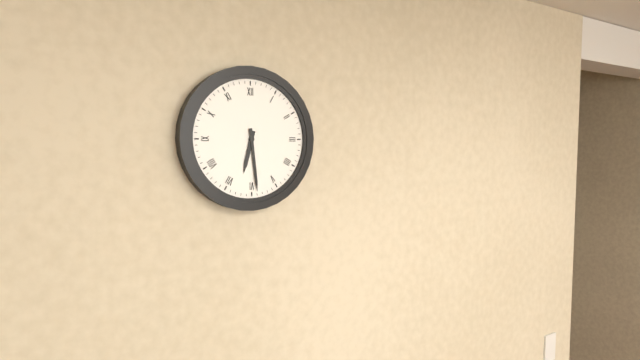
6:29
